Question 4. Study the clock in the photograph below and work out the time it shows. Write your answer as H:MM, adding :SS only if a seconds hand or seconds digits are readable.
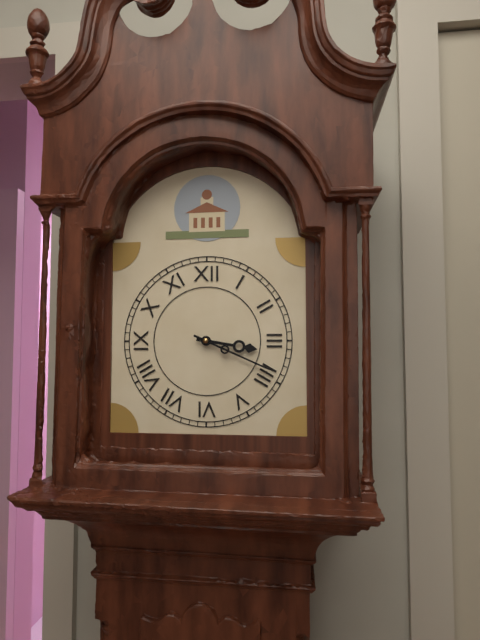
3:19
